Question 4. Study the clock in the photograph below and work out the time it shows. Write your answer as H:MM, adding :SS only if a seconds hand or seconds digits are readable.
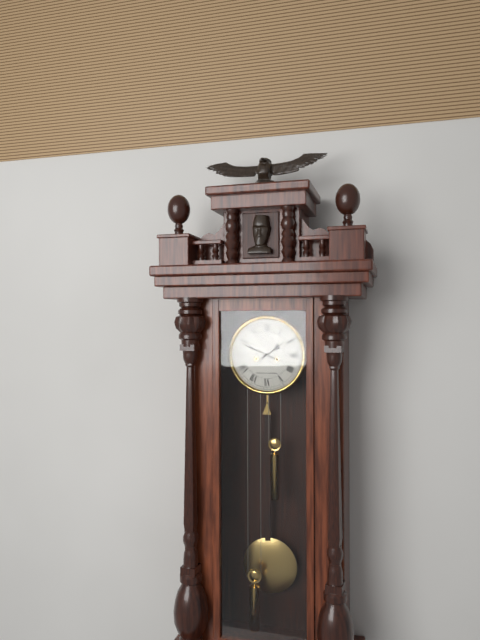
1:49
